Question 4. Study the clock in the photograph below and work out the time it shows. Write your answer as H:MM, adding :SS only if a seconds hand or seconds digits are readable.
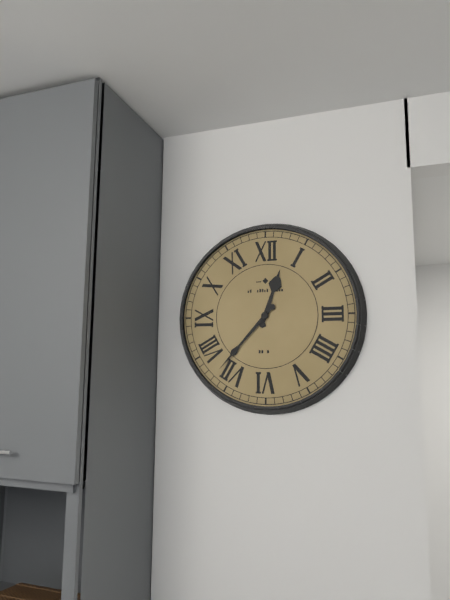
12:37
